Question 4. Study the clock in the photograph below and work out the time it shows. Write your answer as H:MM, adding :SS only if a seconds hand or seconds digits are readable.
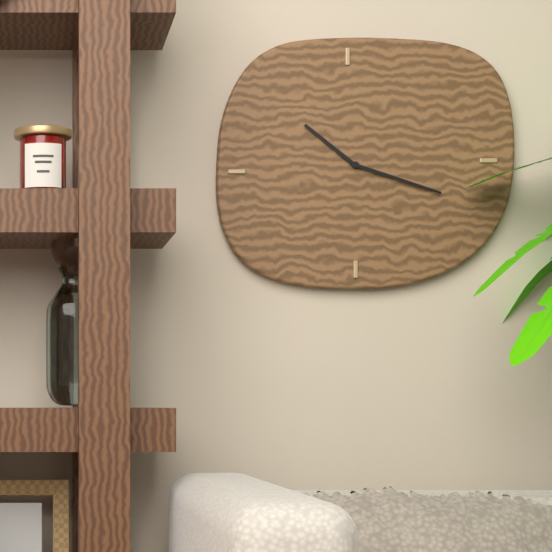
10:18
